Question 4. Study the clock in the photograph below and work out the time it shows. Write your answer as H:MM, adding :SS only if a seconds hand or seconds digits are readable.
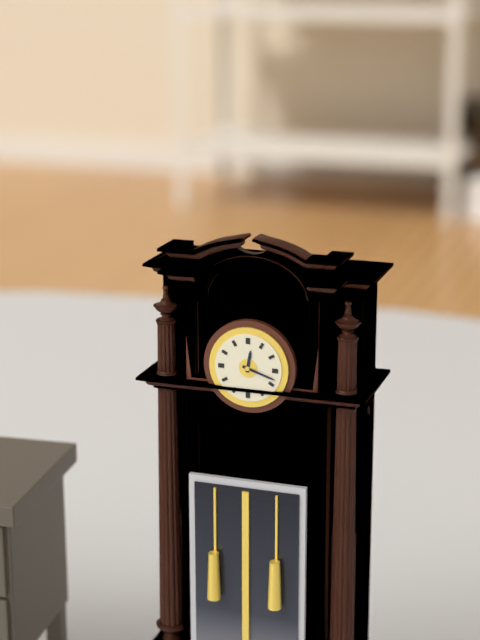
12:18
